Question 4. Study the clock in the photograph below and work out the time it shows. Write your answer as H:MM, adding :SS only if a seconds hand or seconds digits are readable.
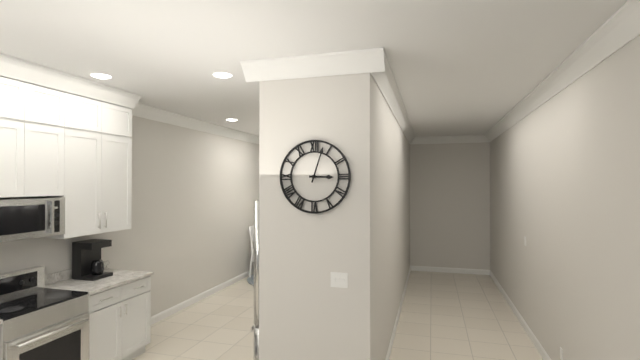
3:03
